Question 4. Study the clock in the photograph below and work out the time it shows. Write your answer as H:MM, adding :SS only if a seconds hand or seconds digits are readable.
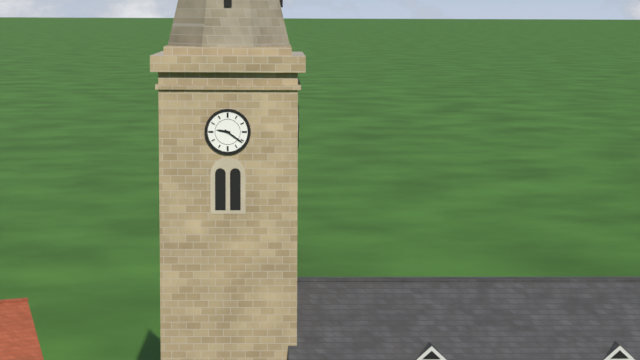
9:21
